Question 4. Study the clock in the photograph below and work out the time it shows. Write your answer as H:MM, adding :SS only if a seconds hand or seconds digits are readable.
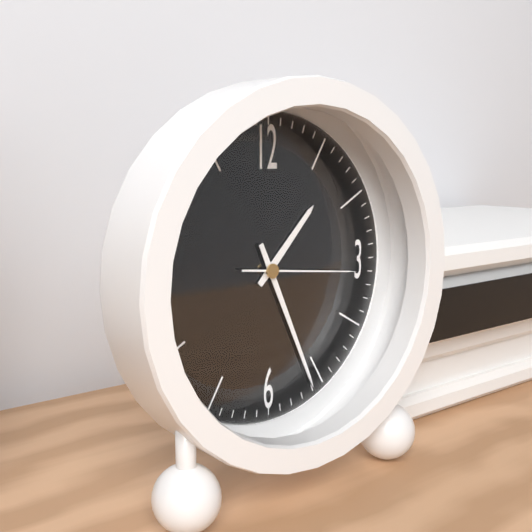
1:26:16
